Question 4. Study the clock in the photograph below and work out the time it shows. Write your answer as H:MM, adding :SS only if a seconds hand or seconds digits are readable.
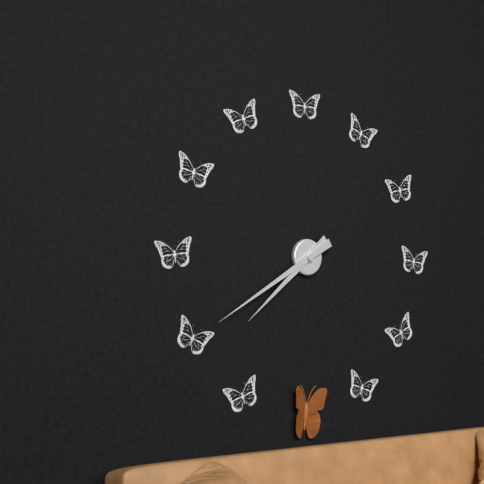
7:40
